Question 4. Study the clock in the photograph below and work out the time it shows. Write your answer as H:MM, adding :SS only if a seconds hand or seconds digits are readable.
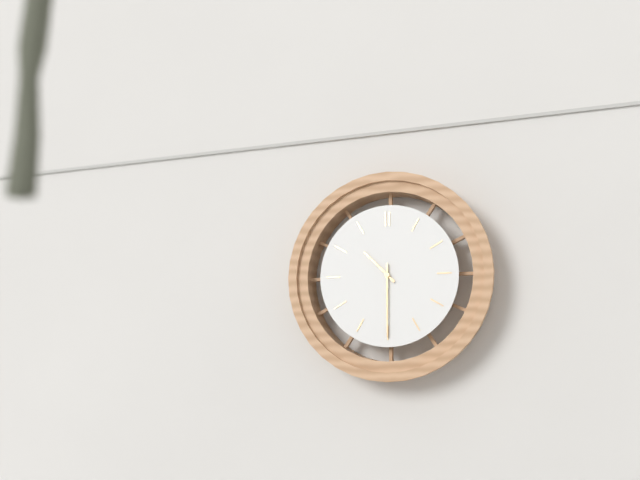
10:30
